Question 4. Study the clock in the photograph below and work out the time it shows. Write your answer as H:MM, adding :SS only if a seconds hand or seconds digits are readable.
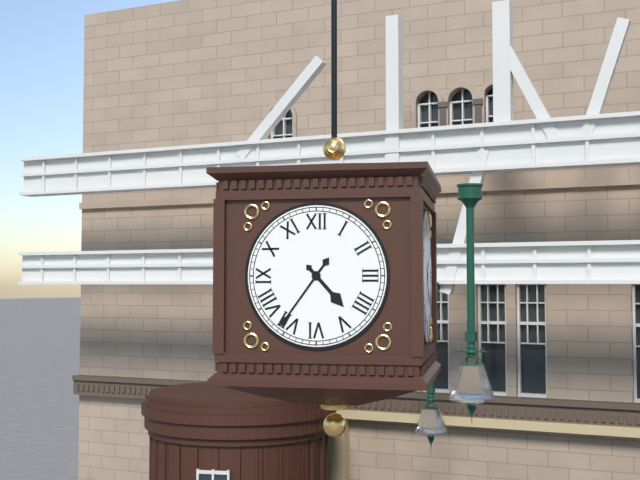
4:36
